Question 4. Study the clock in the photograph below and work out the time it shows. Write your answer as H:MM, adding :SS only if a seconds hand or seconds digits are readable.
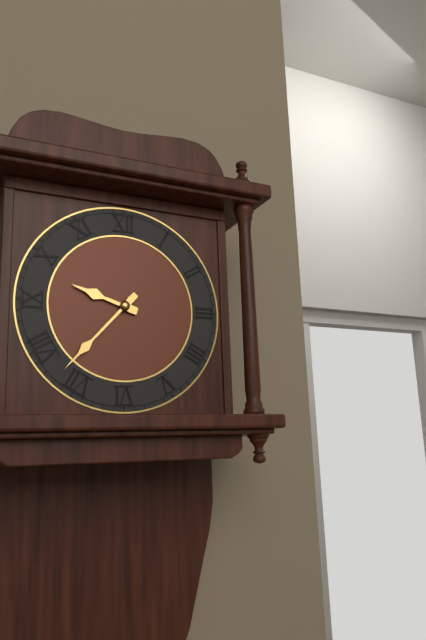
9:37
